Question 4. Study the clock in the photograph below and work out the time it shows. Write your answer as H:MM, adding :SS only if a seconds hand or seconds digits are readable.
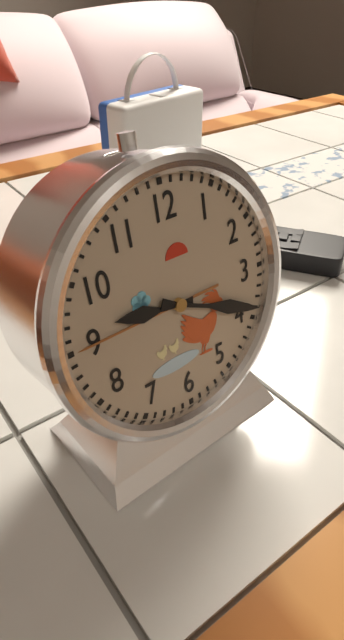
9:19
